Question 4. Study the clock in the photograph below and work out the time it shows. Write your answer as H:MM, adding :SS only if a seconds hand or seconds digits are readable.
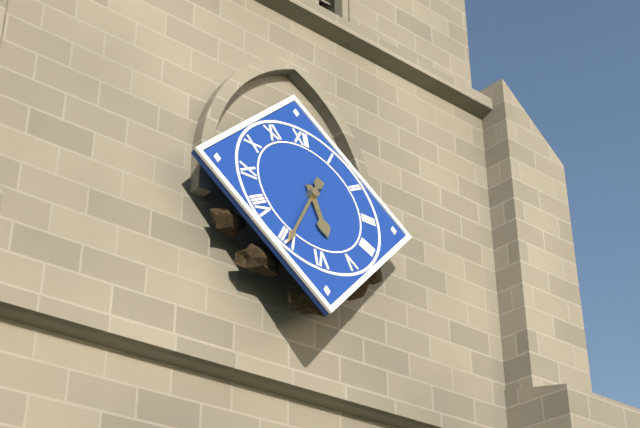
5:35
